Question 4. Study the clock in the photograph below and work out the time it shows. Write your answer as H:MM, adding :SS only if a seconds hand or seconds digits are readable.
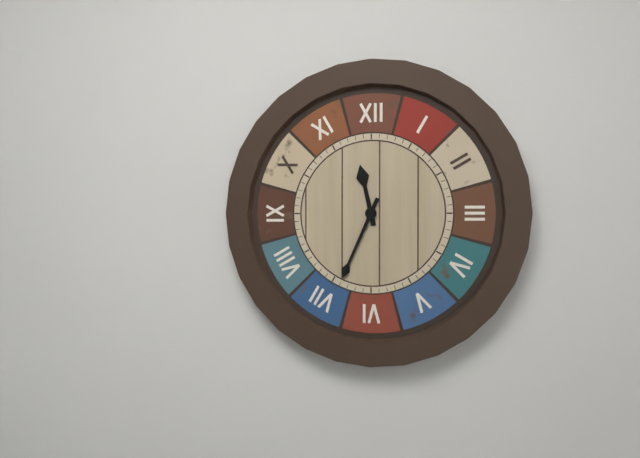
11:34
